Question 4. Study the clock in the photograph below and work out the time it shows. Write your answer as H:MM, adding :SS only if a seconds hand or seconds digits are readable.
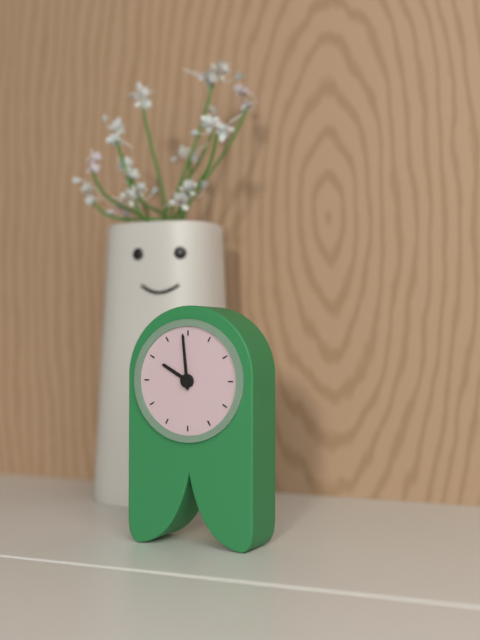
9:59
